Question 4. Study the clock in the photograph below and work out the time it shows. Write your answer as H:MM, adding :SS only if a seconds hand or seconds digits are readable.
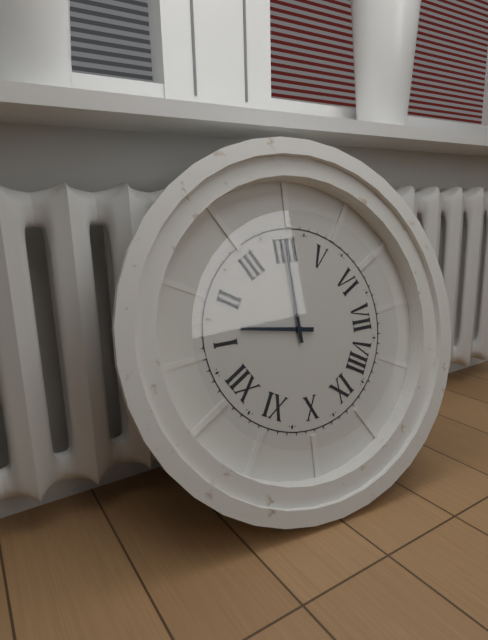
1:20
